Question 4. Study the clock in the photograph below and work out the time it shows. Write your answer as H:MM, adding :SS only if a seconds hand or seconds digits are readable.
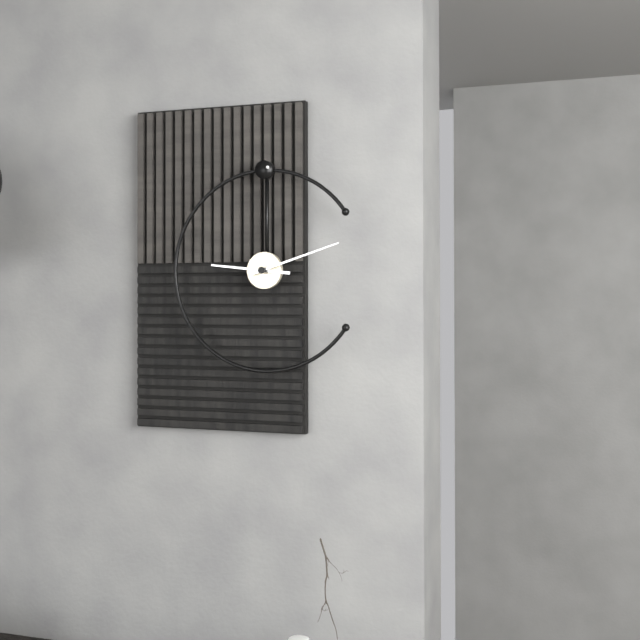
9:12
